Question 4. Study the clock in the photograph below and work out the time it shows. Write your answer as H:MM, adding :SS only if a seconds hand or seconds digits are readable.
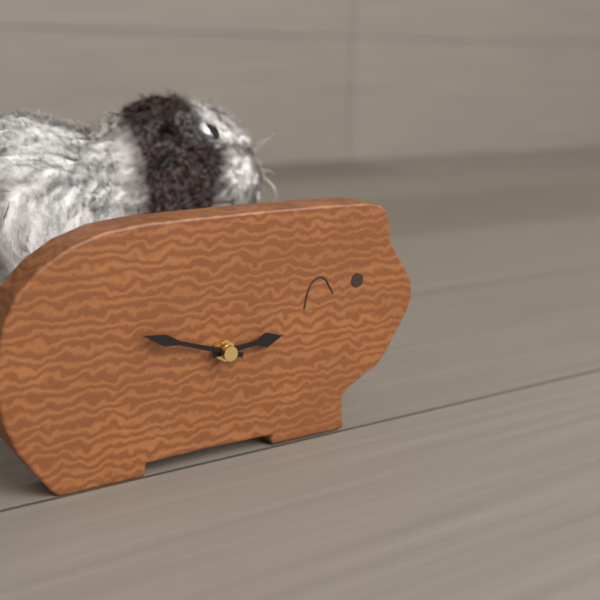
2:48
